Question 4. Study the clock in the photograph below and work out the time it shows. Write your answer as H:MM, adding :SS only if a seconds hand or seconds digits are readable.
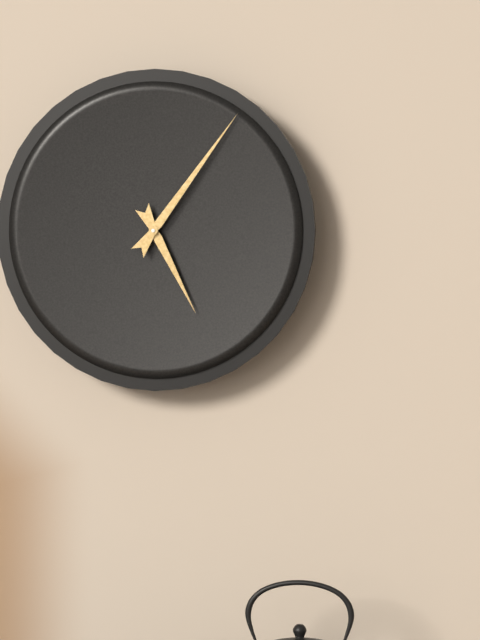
5:06
